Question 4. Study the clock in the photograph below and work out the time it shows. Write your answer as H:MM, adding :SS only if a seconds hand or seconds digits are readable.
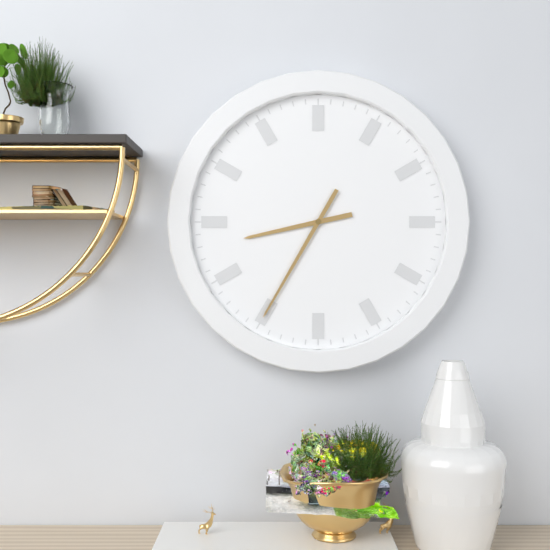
8:35
